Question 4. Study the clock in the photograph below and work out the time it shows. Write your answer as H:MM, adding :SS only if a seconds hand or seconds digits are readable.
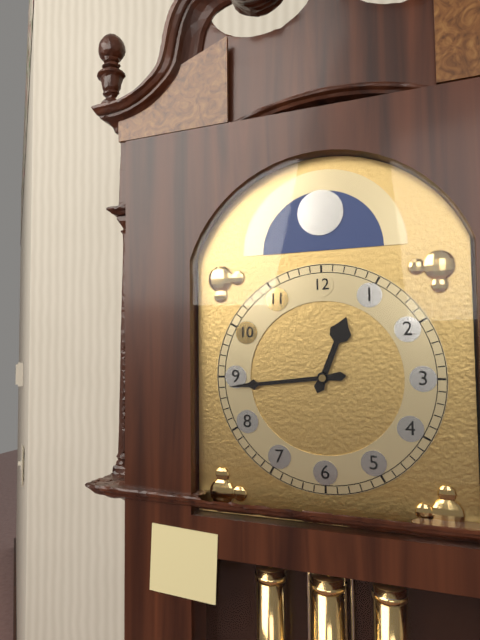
12:44
